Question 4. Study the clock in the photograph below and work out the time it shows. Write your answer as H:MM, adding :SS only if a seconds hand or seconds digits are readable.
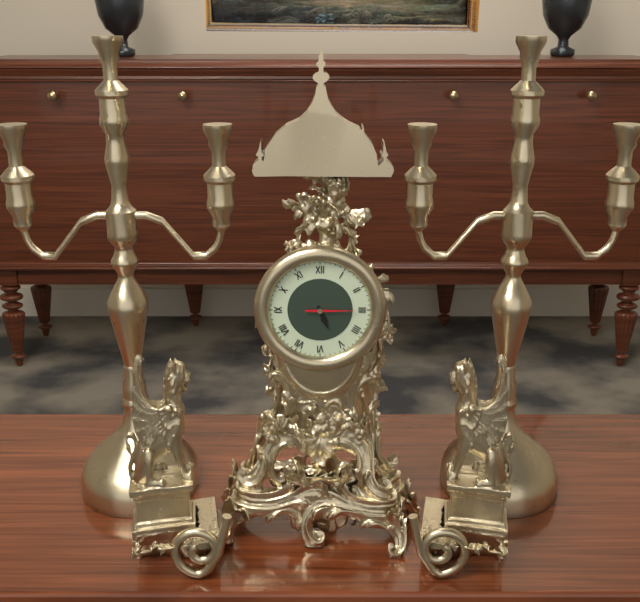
5:15
